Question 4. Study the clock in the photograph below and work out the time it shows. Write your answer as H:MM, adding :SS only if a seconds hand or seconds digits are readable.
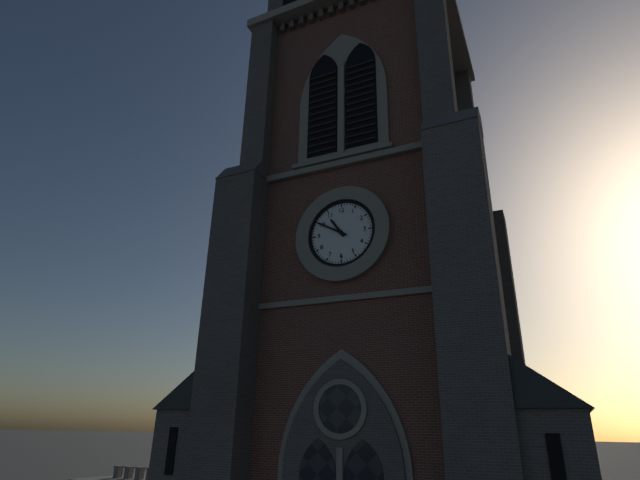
10:50
